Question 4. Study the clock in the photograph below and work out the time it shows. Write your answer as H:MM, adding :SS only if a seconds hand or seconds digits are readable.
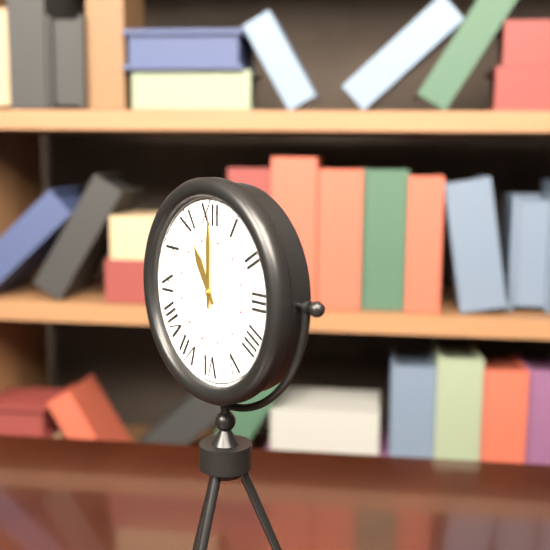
11:00
